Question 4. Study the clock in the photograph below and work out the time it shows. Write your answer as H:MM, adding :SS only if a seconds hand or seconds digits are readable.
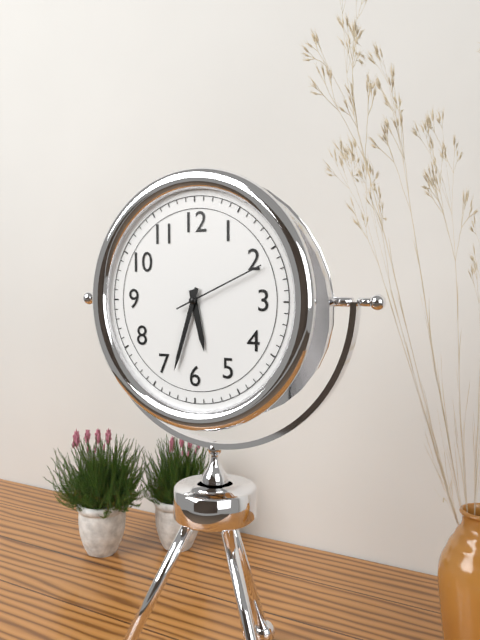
5:33:11
